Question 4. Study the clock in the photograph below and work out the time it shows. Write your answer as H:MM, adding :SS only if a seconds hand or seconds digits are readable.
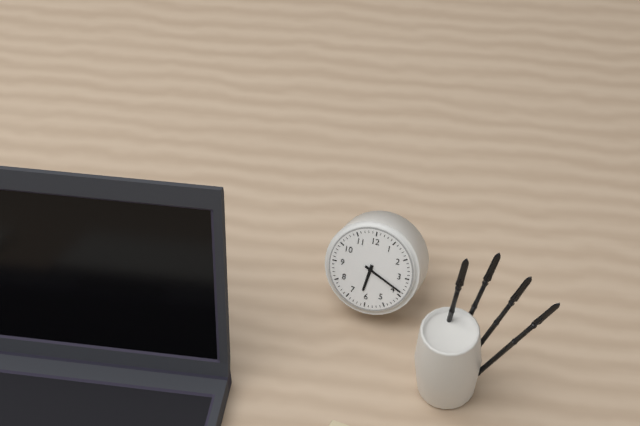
6:19
